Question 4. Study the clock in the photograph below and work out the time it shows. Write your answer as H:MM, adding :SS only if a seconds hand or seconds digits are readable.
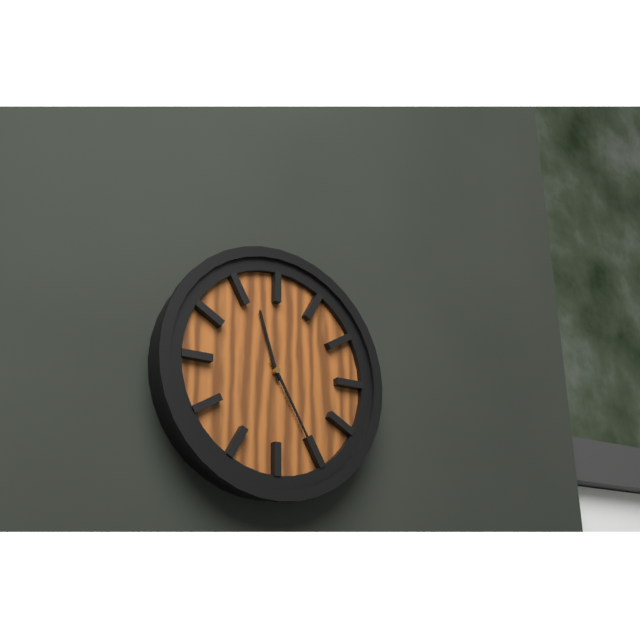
11:25
